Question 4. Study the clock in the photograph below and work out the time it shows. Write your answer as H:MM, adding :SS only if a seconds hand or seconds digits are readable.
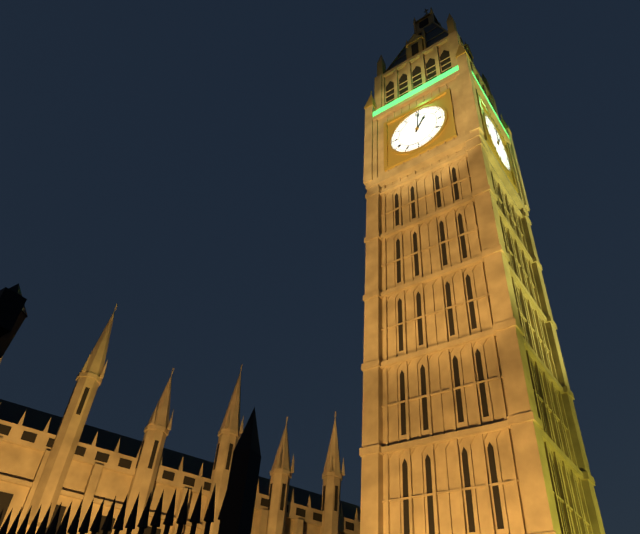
1:01
